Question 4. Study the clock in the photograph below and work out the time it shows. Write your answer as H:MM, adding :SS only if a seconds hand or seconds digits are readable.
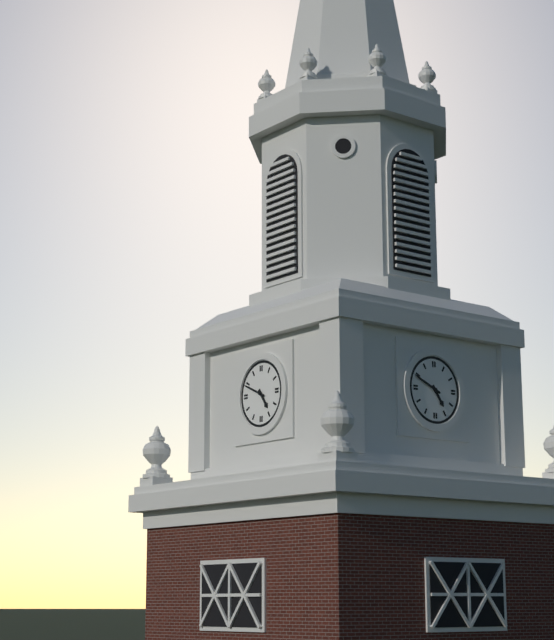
4:49
